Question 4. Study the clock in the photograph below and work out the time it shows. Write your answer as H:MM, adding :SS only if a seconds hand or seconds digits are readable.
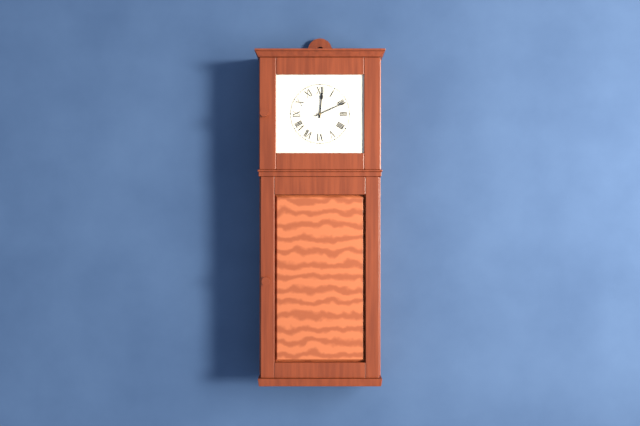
12:11
